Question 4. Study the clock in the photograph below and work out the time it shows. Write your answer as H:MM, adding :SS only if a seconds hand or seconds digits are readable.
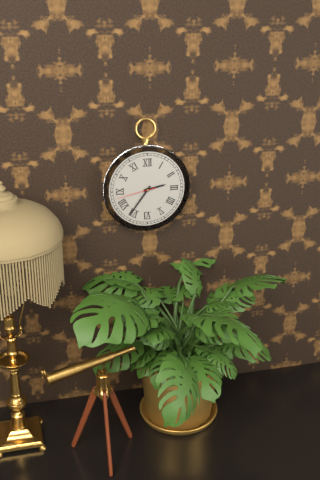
2:36
